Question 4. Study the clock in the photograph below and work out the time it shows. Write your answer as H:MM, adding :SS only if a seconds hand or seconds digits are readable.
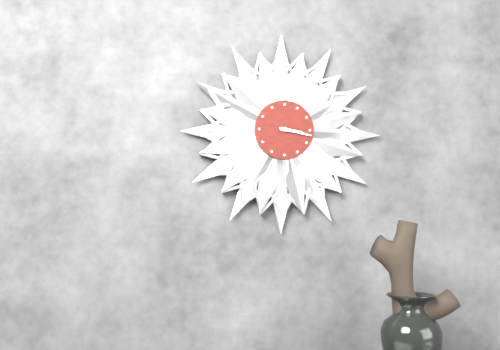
3:17
